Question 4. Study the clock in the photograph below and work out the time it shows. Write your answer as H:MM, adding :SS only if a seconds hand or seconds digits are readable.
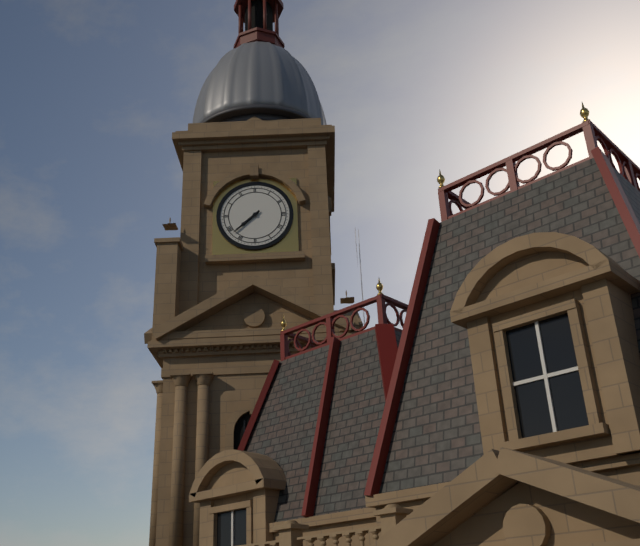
7:38
